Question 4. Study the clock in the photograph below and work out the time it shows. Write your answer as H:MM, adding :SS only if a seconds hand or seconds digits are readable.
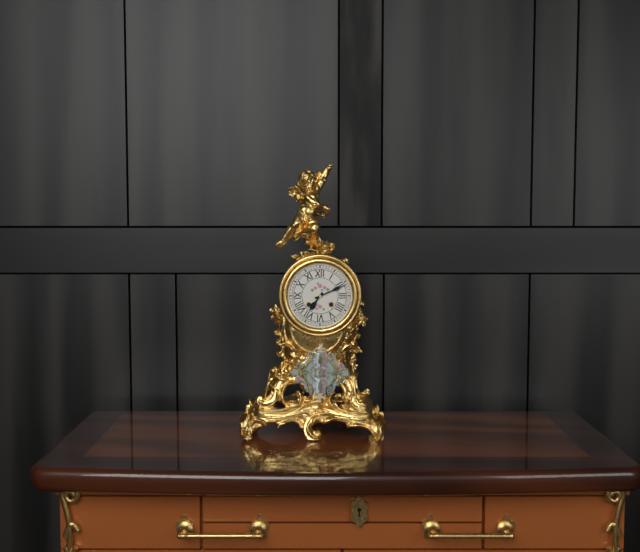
7:11
